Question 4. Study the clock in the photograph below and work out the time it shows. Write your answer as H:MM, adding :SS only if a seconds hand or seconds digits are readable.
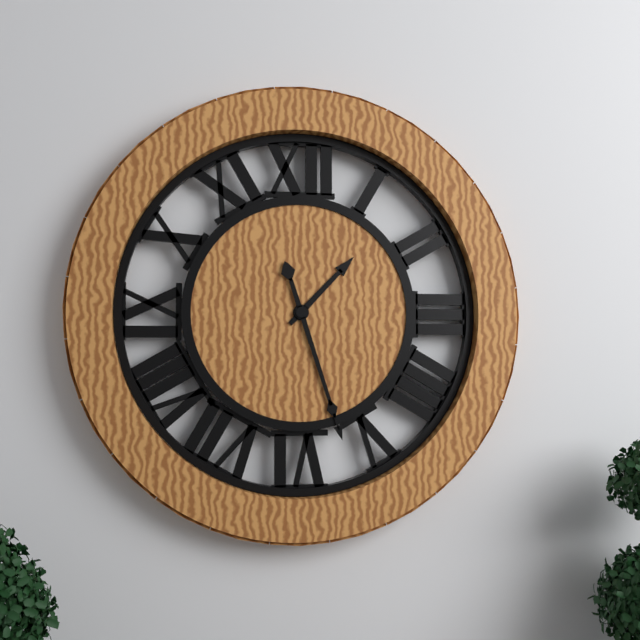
1:27
